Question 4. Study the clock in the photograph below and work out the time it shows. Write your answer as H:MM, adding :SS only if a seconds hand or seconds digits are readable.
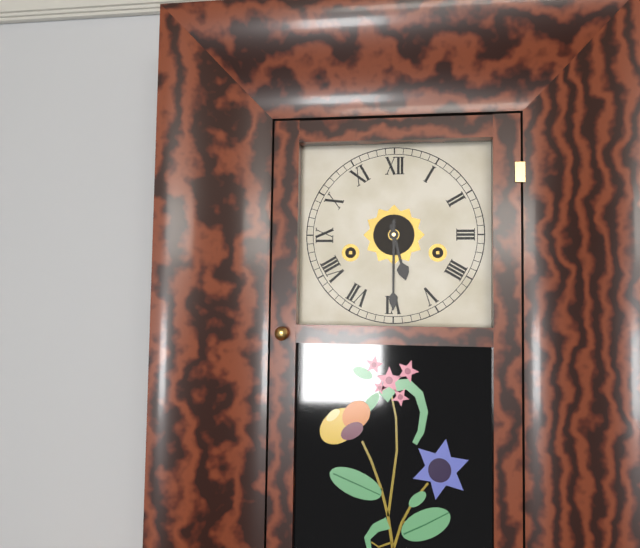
5:30
